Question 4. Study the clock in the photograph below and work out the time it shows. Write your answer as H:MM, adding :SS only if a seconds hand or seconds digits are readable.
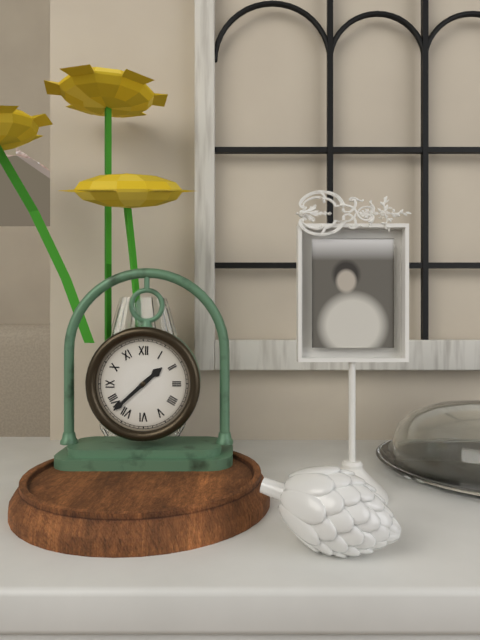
1:38
